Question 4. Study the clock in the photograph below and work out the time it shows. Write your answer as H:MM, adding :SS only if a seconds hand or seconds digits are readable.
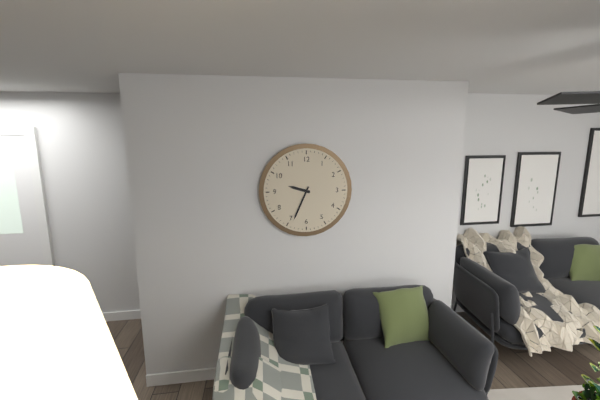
9:34
